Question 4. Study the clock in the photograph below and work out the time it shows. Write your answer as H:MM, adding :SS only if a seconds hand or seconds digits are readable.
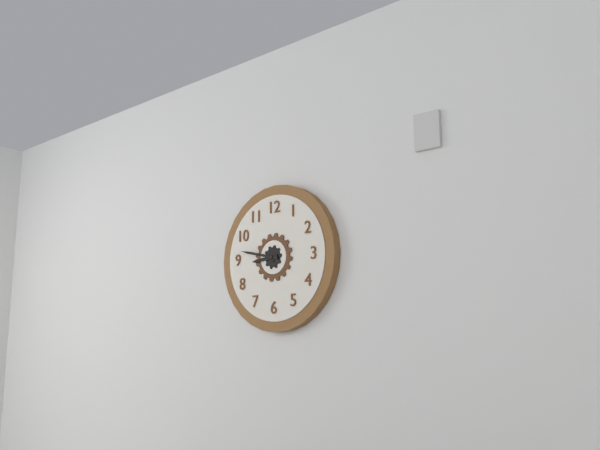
8:47
